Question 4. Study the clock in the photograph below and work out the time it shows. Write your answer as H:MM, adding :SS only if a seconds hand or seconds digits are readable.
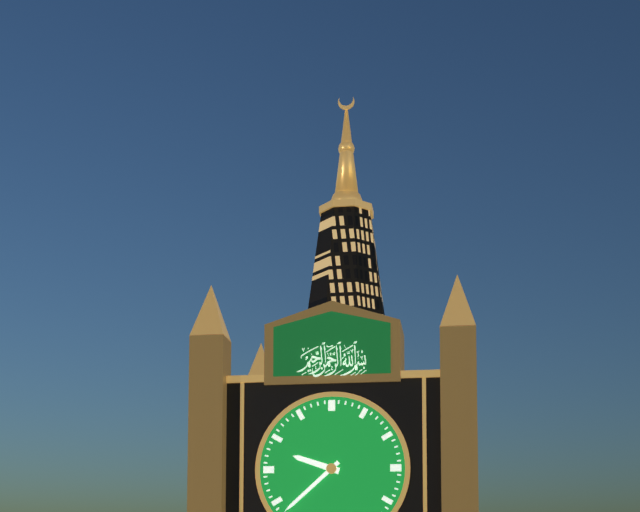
9:38
